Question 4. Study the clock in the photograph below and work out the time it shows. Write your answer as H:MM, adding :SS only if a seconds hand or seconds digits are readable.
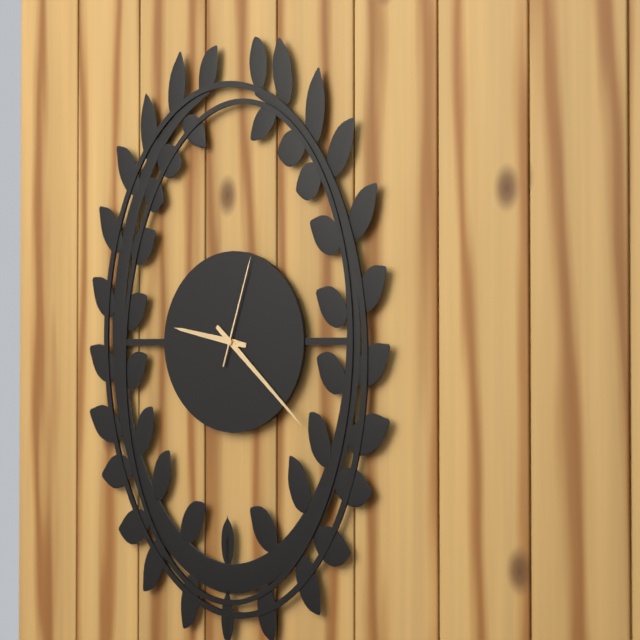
9:22:03
